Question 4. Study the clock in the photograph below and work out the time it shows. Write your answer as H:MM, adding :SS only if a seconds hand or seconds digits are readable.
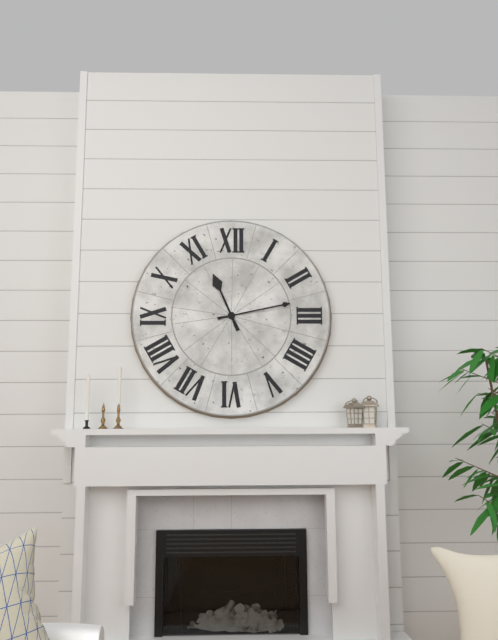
11:13
